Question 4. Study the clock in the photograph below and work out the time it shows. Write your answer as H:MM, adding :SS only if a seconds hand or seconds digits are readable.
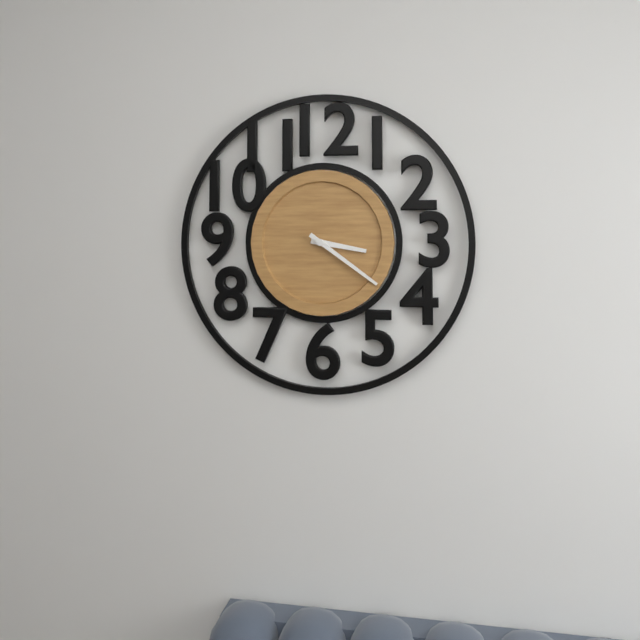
3:21
